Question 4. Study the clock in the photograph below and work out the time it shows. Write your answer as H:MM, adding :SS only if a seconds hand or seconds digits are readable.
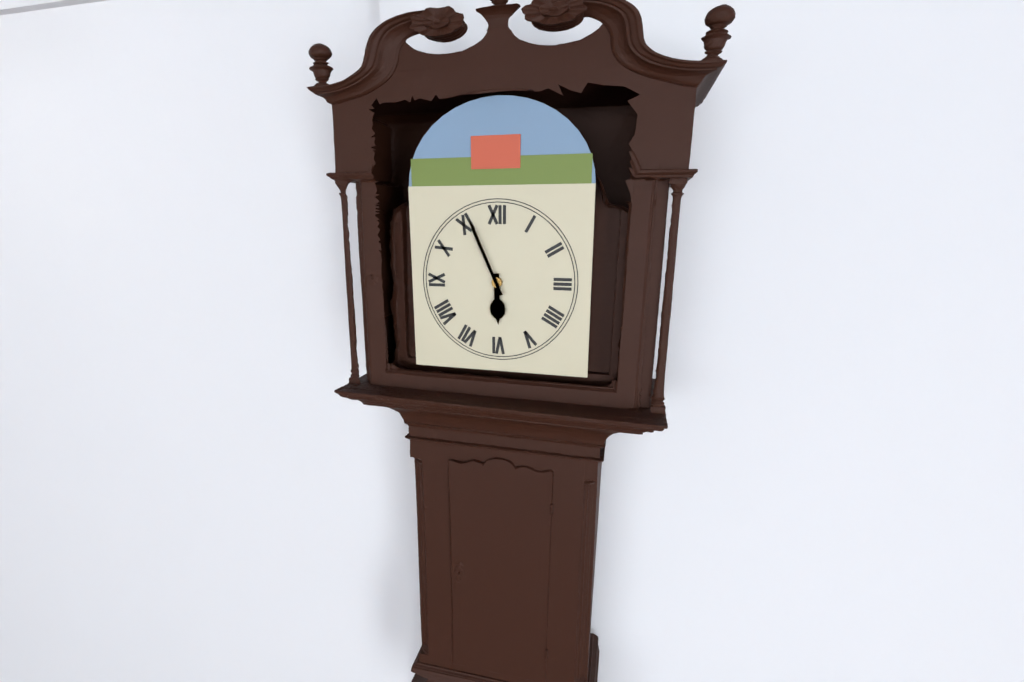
5:56
